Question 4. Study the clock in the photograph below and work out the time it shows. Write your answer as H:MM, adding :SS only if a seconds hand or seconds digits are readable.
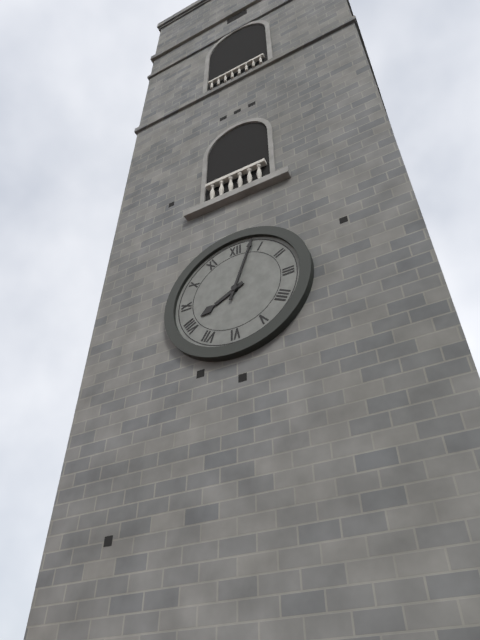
8:03
